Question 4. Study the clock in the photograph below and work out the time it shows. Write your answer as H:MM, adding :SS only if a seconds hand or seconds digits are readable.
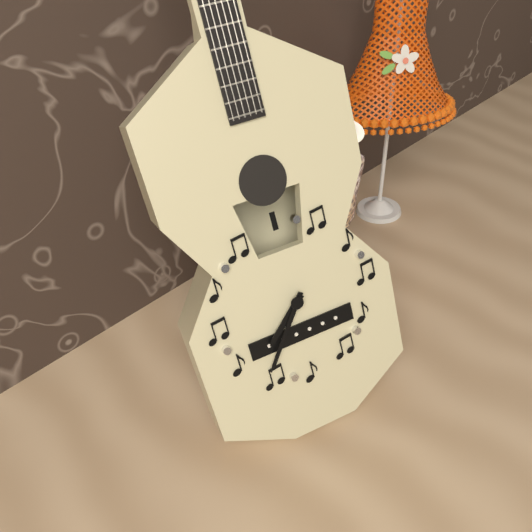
7:36
